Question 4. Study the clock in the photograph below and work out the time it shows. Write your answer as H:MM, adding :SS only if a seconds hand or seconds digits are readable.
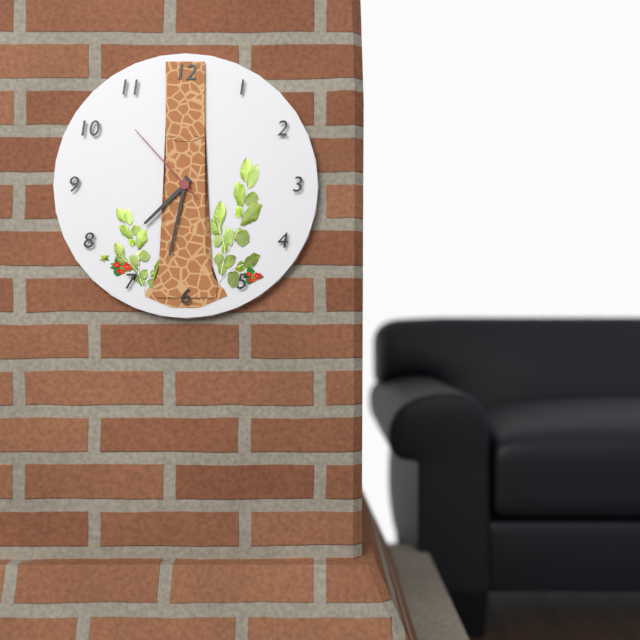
7:32:53
